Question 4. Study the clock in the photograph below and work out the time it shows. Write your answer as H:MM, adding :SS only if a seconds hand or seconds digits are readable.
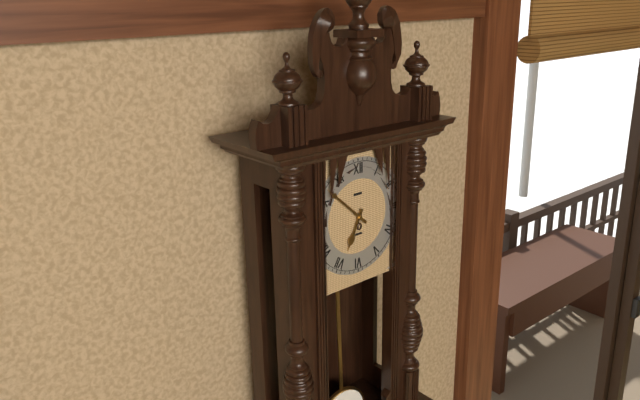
6:52
